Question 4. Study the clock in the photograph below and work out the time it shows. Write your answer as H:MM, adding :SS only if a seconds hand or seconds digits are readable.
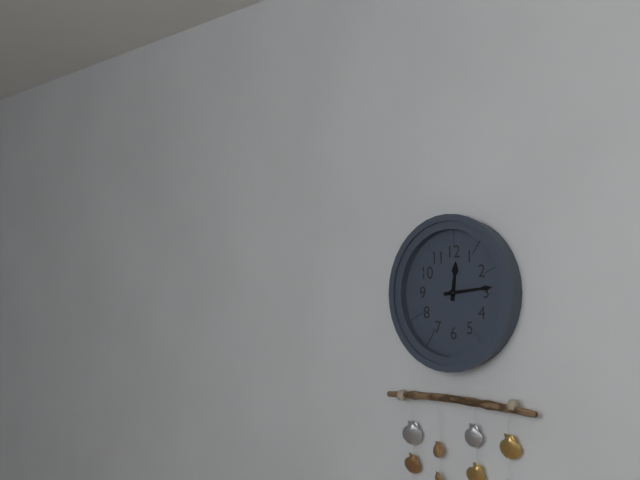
12:14
